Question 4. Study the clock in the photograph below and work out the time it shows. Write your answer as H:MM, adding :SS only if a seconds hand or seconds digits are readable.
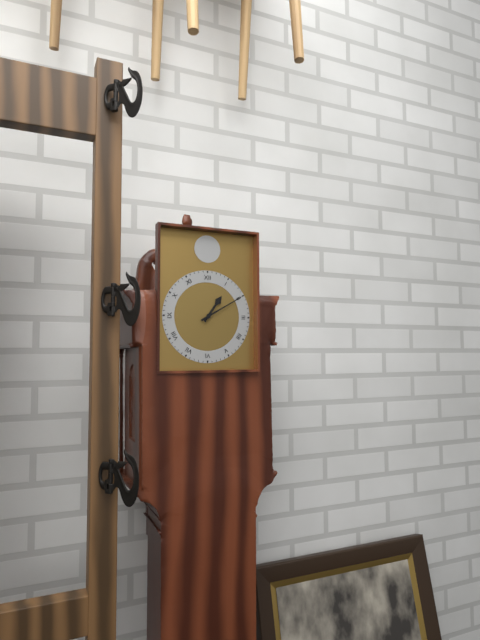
1:10
